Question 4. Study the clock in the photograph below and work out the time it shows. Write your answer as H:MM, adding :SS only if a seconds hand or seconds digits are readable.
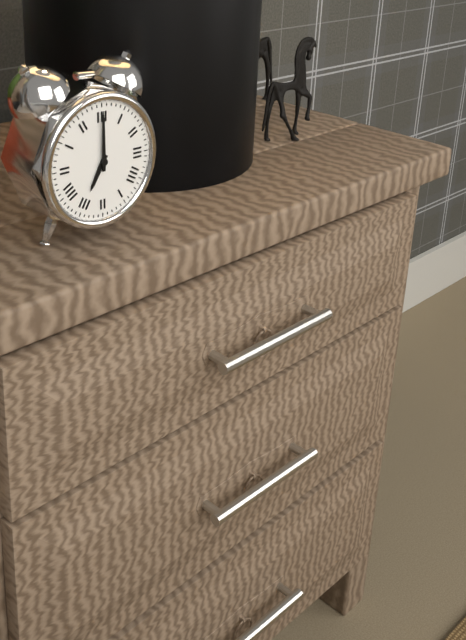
7:00
